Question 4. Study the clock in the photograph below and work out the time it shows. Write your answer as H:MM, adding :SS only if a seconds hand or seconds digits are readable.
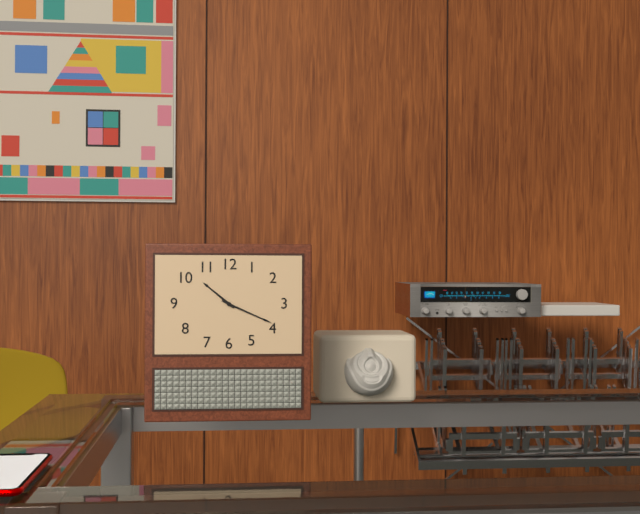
10:19
